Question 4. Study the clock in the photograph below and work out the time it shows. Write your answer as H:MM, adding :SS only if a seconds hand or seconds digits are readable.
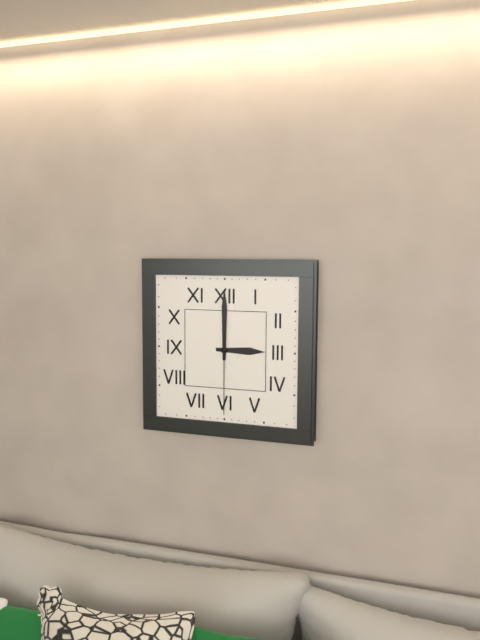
3:00:30
